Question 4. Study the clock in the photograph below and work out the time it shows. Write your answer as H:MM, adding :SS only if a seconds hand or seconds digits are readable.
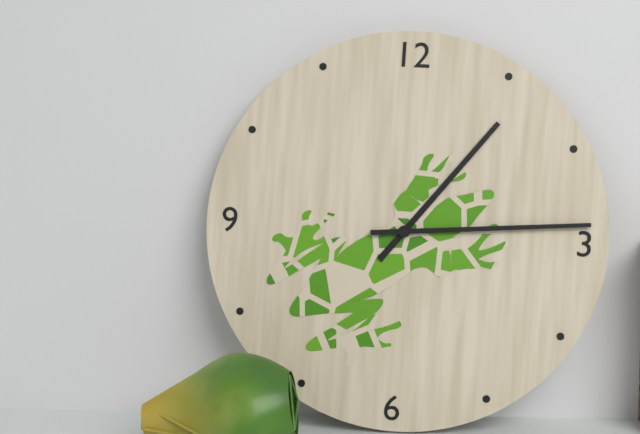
1:14
